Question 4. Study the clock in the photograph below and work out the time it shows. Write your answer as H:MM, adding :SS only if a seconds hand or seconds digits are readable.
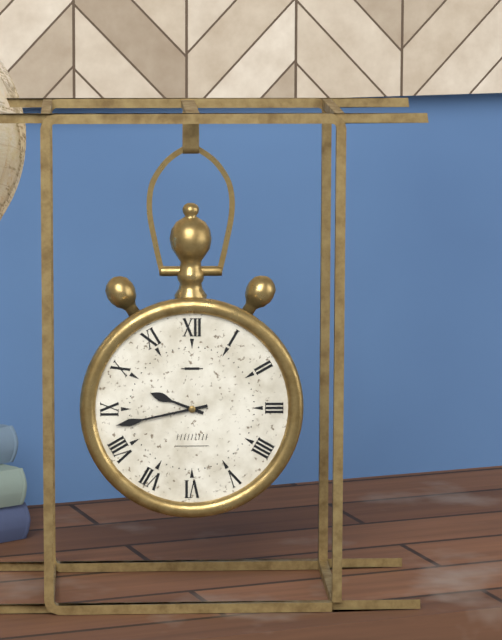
9:43
